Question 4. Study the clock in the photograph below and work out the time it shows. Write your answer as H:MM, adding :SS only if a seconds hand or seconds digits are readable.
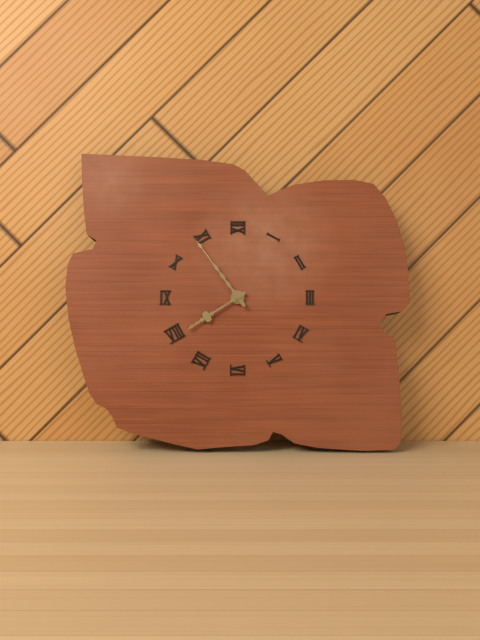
7:54
